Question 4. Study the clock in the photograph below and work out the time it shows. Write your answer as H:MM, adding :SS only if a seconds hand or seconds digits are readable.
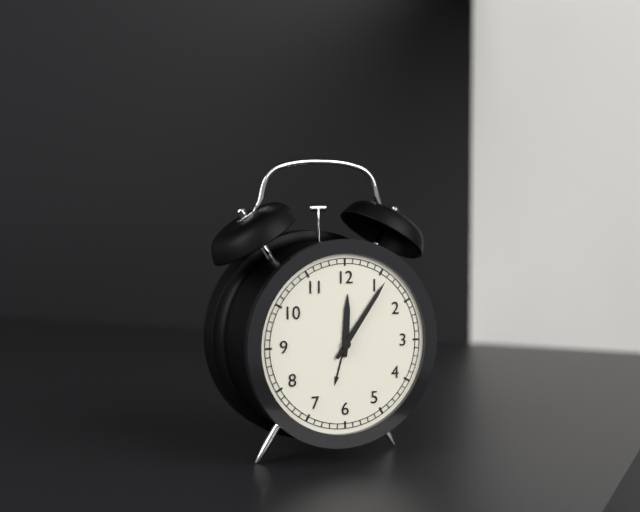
12:06
